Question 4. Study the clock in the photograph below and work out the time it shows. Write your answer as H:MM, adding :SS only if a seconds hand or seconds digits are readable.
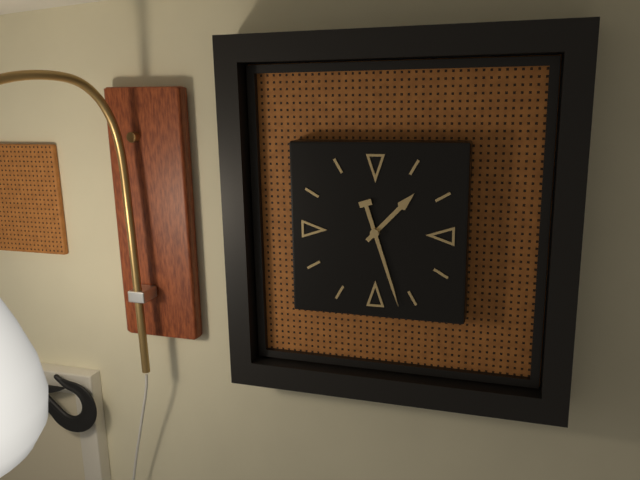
1:27
